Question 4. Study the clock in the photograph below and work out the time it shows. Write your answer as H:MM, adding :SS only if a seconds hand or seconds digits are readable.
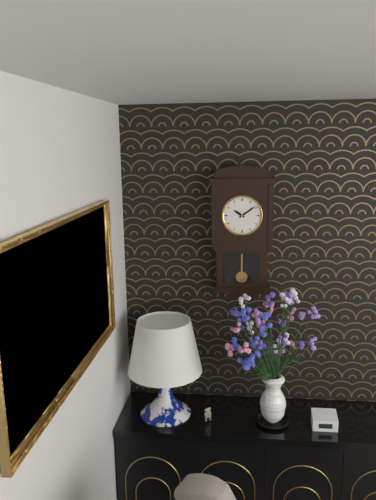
10:09
